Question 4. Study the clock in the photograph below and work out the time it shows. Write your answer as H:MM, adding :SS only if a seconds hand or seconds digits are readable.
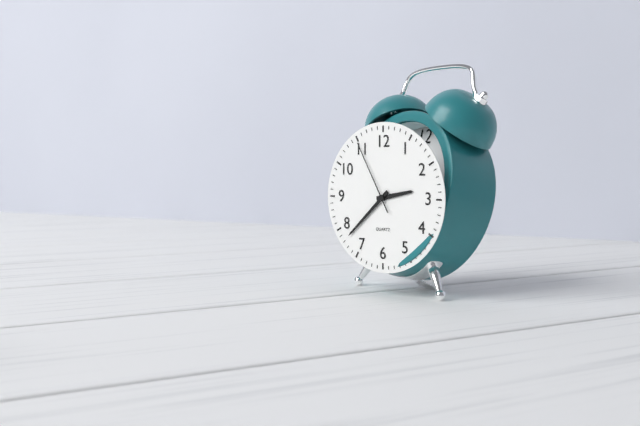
2:38:55
